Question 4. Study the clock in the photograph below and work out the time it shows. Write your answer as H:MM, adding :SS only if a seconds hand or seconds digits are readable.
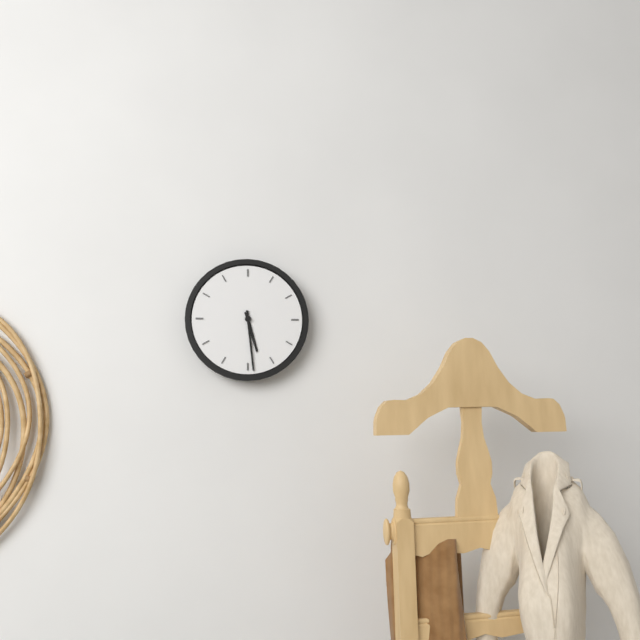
5:29
